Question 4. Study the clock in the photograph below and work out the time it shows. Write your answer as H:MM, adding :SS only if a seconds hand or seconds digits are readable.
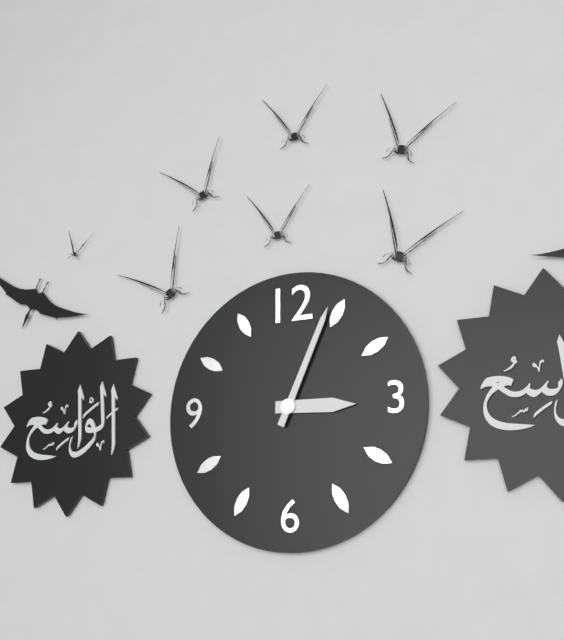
3:04
